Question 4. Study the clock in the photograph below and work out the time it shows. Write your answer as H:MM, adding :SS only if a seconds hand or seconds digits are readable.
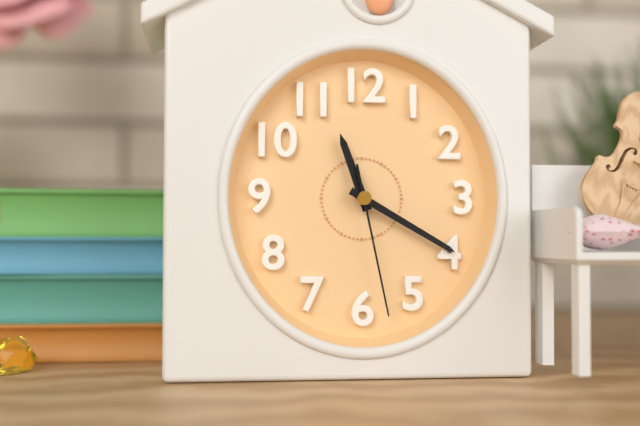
11:20:28
